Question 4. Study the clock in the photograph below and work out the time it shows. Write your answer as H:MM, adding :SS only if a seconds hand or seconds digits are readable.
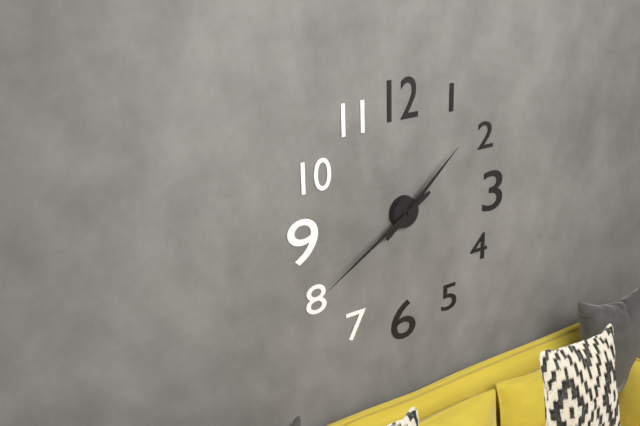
1:40
